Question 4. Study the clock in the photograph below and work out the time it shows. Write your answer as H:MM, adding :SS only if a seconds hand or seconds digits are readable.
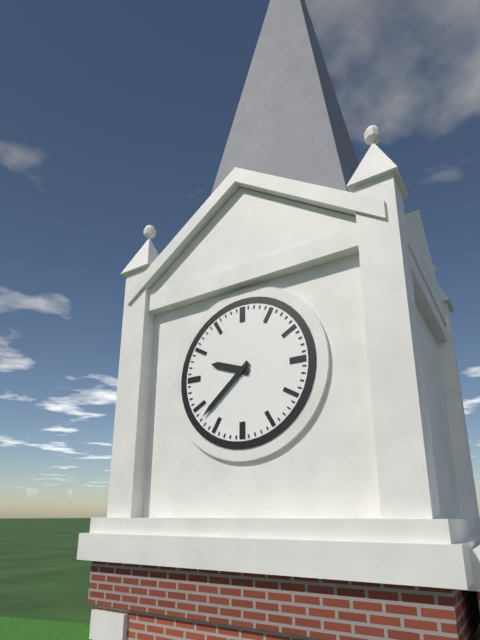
9:38
